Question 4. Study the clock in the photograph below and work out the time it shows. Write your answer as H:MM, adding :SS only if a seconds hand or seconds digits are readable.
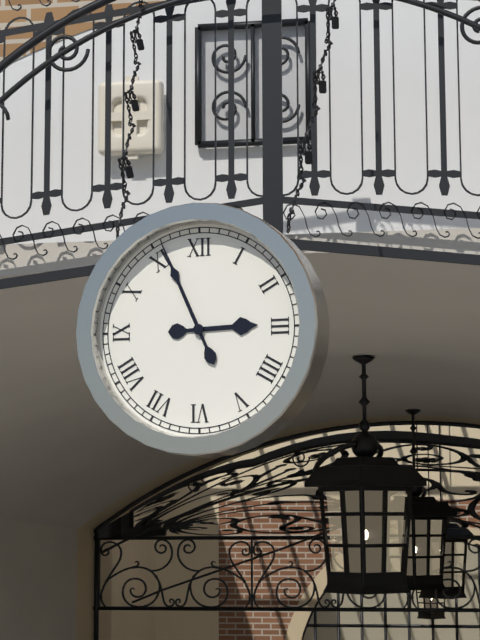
2:56
